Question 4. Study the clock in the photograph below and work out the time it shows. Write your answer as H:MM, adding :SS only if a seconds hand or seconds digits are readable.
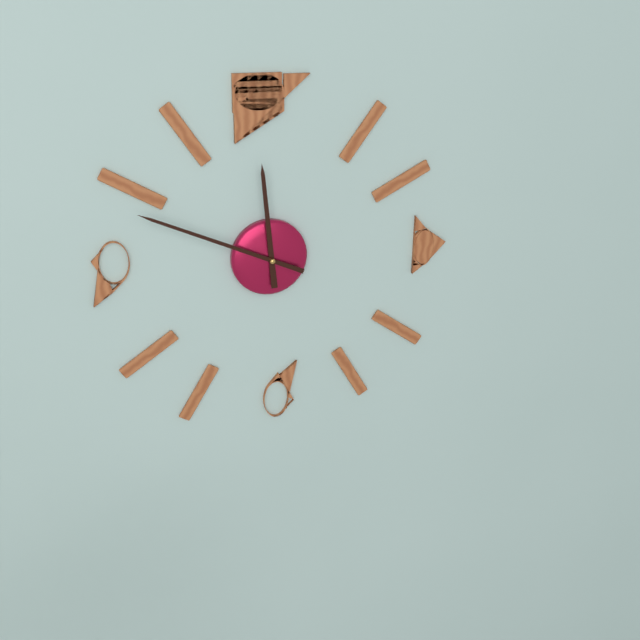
11:49
